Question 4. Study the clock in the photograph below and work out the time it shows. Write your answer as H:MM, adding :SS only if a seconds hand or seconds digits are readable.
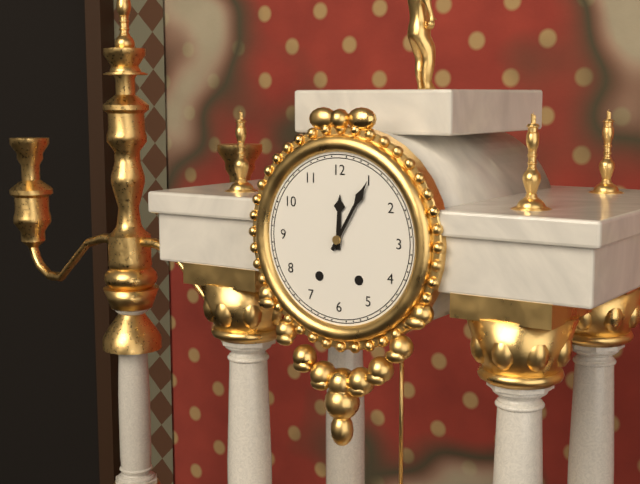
12:05
